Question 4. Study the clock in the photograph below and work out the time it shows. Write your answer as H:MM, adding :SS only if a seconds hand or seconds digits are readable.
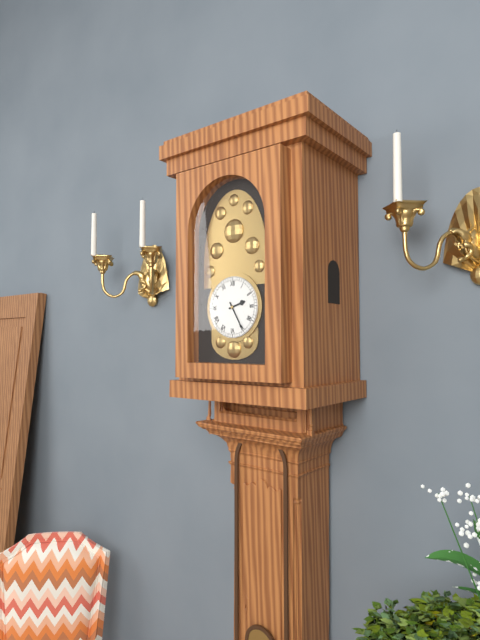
2:25
